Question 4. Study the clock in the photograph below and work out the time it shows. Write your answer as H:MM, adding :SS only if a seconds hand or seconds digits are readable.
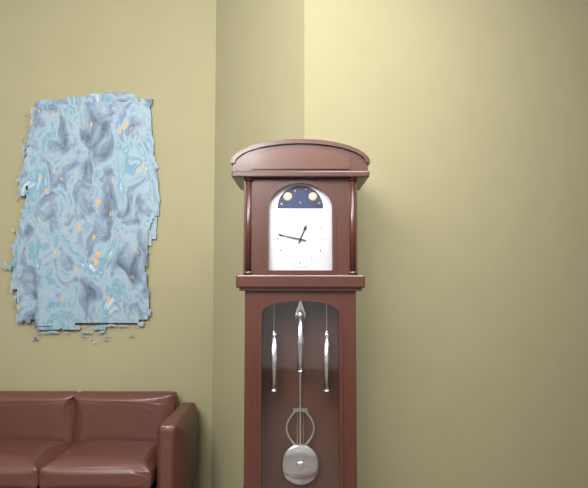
12:47
